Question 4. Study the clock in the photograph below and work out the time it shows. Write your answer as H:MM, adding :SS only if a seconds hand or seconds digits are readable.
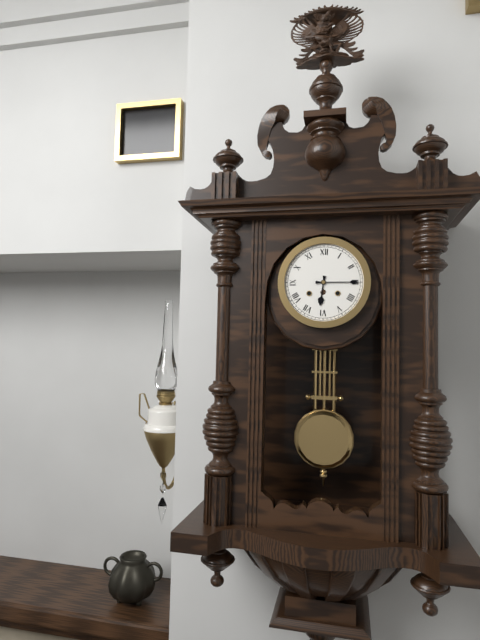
6:15
